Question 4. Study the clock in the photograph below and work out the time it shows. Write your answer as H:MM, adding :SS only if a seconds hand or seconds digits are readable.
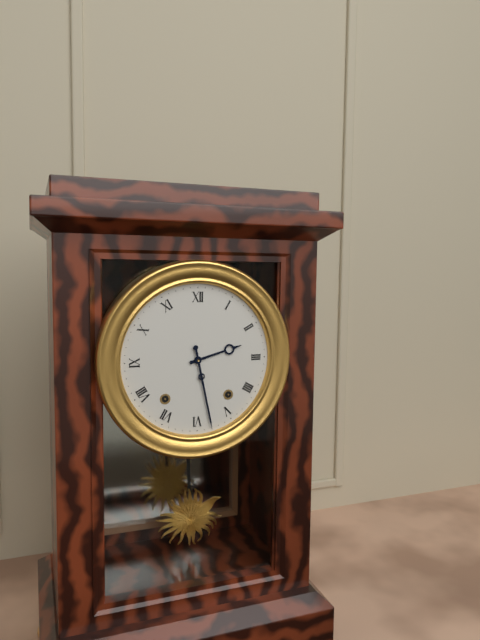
2:28
